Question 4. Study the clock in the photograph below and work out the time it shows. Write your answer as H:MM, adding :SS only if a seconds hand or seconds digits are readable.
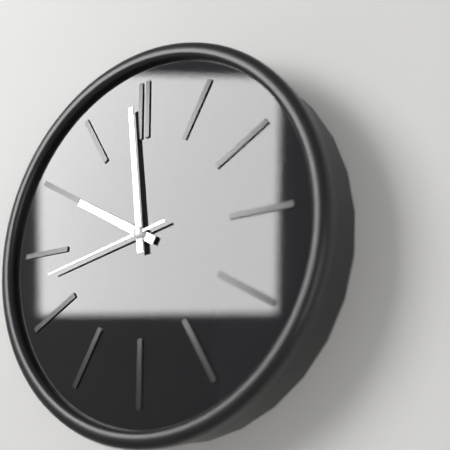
9:59:43
